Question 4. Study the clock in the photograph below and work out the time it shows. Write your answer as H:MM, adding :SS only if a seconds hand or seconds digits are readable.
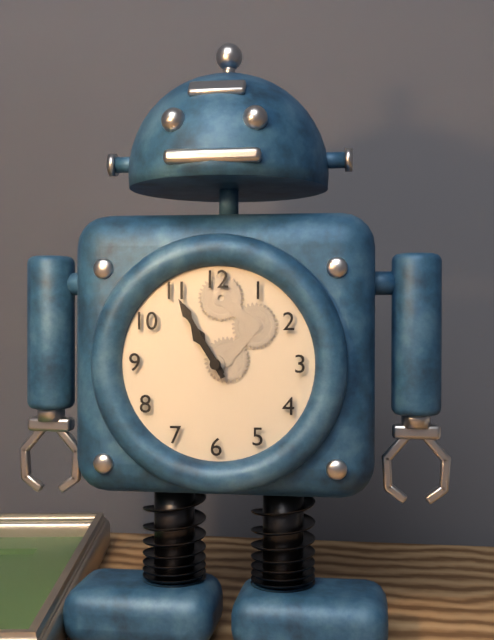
10:55
